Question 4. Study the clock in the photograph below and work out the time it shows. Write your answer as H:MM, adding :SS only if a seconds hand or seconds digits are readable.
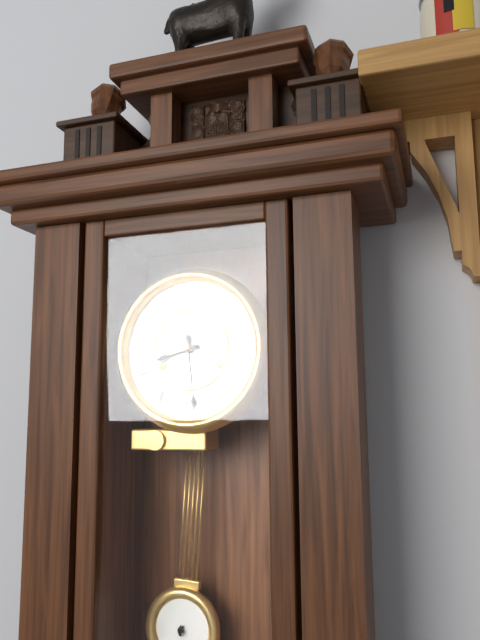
8:29
